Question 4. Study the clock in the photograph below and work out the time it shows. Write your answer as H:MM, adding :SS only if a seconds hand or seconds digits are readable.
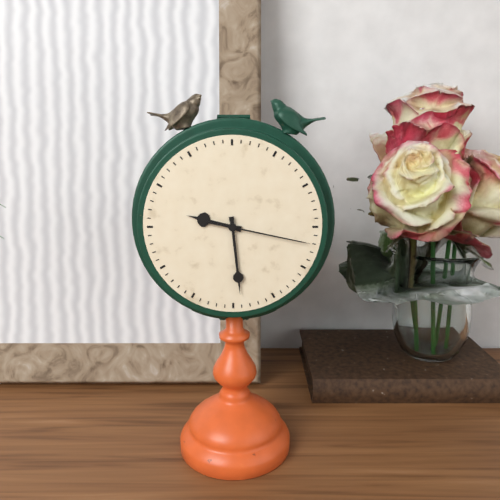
9:29:17
